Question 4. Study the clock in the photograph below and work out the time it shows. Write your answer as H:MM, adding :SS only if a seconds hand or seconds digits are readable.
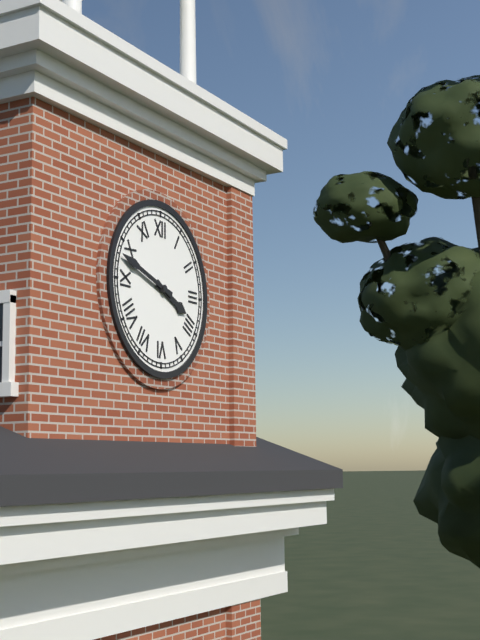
3:48
